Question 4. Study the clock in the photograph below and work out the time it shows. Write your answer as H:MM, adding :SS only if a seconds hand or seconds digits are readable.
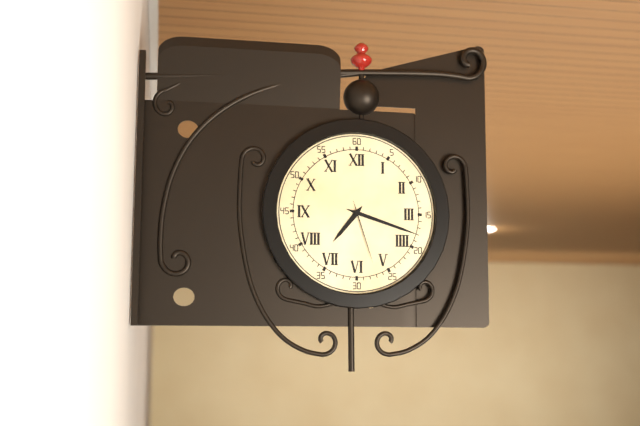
7:18:27
